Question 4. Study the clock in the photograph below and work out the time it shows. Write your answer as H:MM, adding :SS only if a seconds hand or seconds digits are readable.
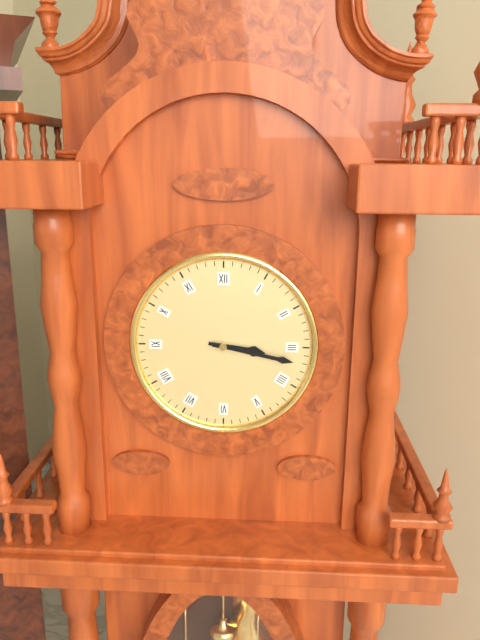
3:17
